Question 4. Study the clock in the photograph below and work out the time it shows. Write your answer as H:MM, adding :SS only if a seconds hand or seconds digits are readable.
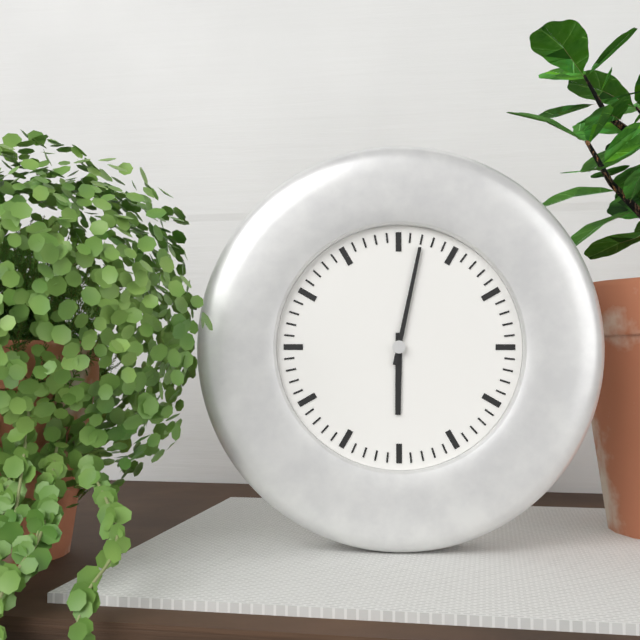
6:02
